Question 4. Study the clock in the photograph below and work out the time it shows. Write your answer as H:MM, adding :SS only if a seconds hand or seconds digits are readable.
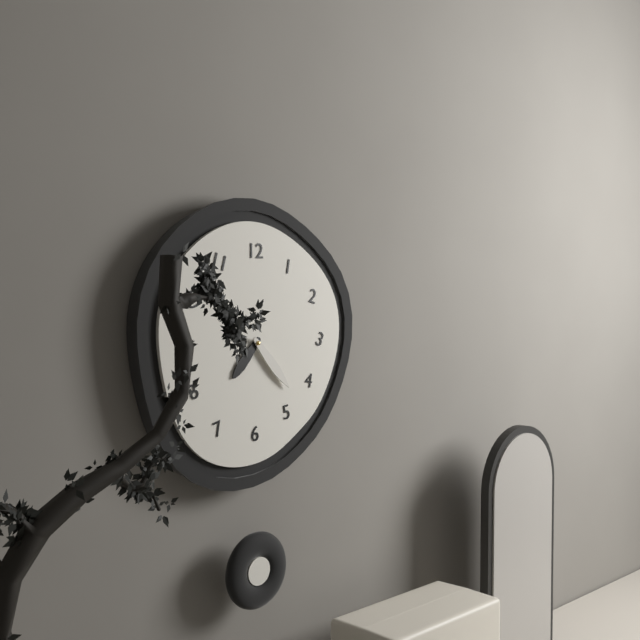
7:23
